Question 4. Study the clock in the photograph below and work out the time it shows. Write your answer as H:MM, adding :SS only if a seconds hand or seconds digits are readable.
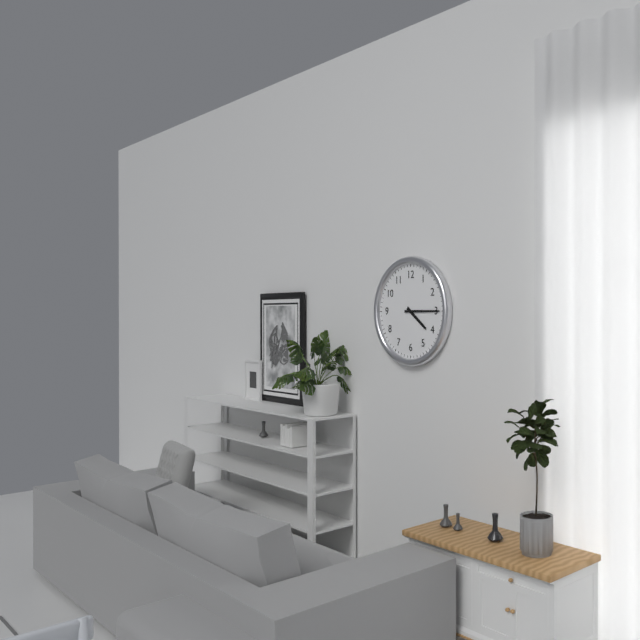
4:15
